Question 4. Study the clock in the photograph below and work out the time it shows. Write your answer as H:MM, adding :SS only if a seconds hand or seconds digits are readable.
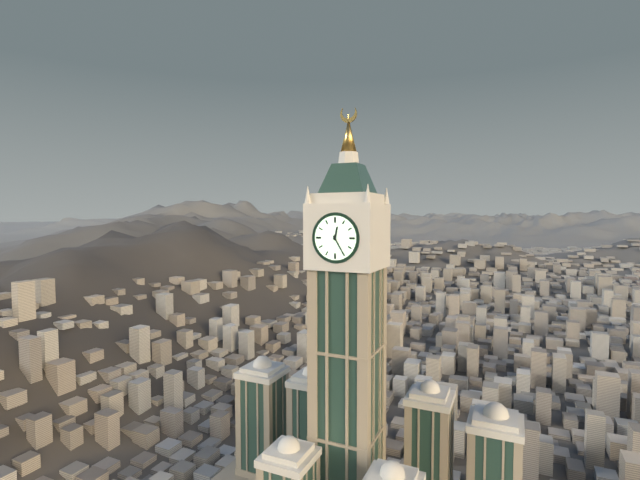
12:25
